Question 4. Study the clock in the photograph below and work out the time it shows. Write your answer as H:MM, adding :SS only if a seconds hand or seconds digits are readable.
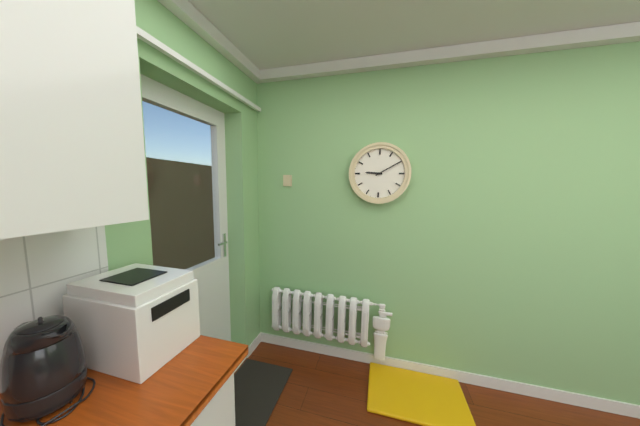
9:10
